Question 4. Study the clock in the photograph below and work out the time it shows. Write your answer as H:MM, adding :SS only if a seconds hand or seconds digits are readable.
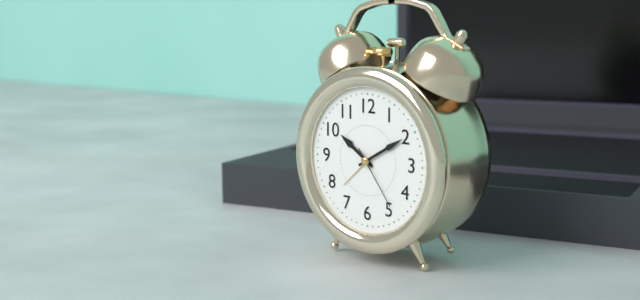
10:10:24
